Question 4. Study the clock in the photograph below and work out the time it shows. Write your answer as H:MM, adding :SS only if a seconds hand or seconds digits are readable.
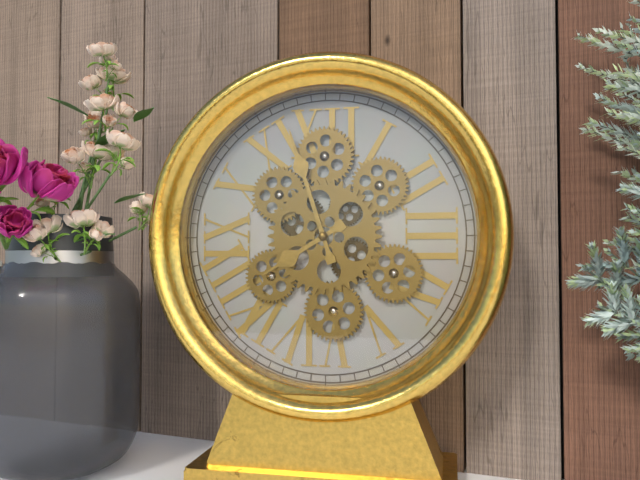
7:57
